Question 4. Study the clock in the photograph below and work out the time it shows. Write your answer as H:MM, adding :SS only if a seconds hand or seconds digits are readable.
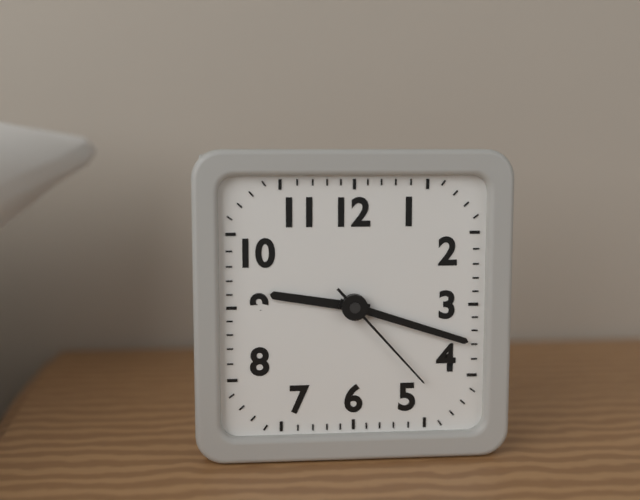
9:18:23
